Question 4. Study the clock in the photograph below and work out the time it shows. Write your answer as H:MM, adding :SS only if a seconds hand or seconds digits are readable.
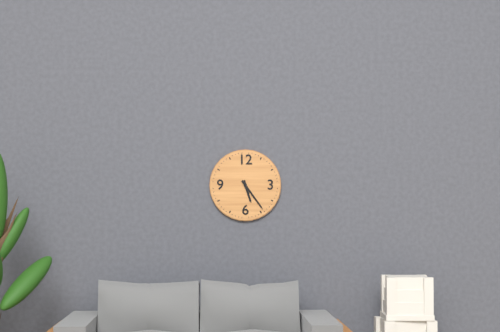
5:24
